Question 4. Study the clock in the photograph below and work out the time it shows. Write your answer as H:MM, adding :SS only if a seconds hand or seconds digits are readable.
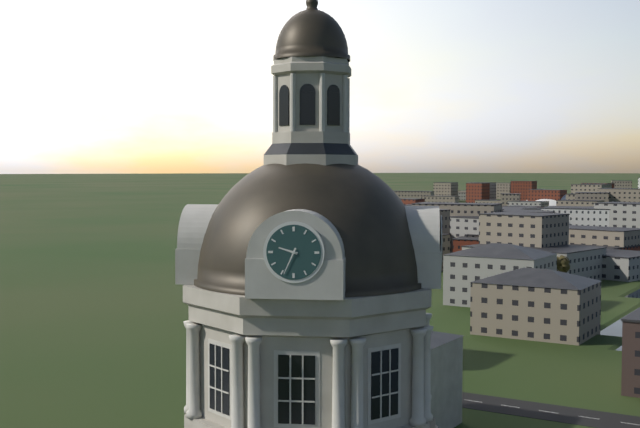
9:34
